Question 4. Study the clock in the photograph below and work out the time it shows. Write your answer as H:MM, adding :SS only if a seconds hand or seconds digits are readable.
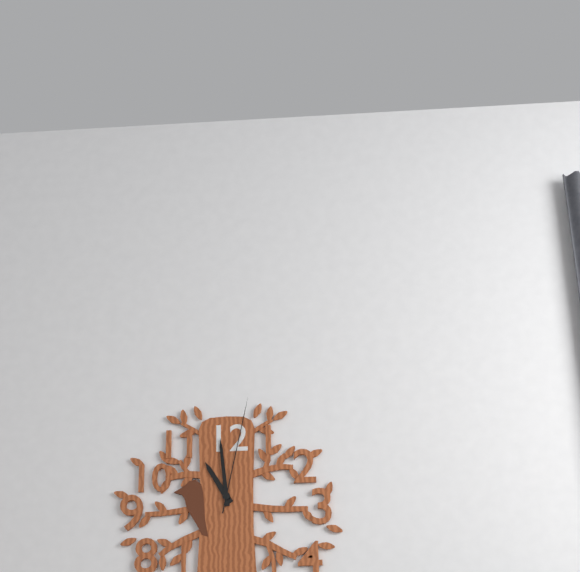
10:59:02
